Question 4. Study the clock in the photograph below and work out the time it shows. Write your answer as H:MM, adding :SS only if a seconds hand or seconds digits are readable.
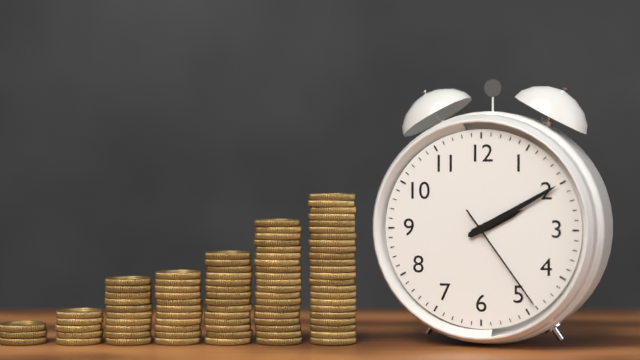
2:10:24
